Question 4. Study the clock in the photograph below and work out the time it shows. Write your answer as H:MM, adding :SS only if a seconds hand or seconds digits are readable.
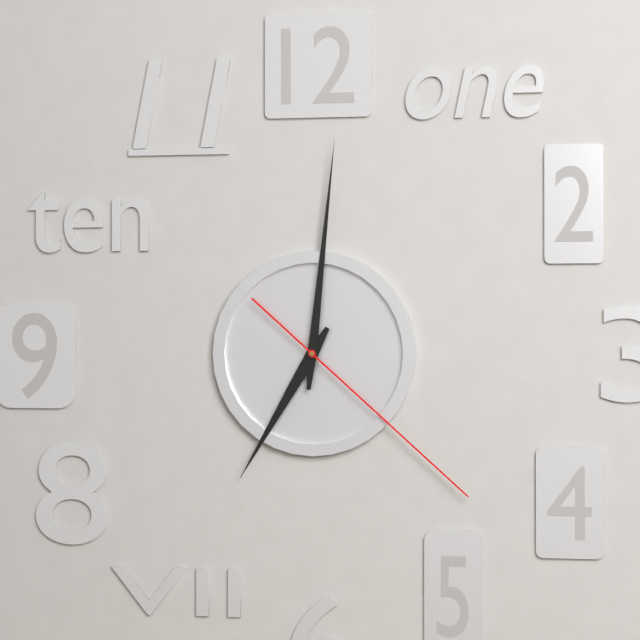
7:01:22
